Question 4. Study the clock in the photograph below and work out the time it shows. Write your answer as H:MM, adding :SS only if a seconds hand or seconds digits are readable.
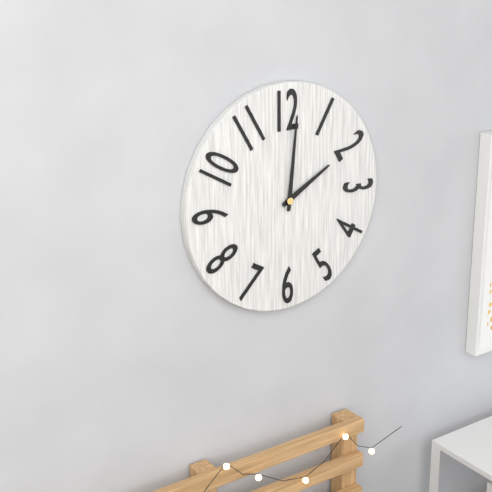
2:01
